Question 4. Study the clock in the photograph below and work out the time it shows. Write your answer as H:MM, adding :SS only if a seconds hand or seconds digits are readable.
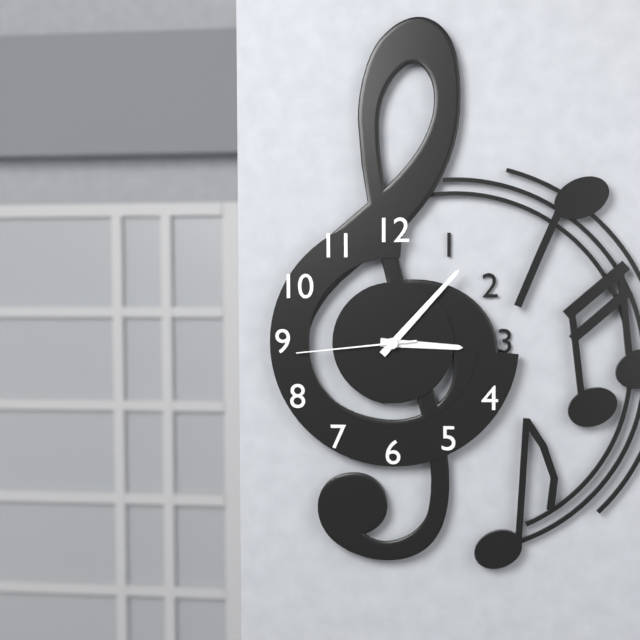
3:07:44
